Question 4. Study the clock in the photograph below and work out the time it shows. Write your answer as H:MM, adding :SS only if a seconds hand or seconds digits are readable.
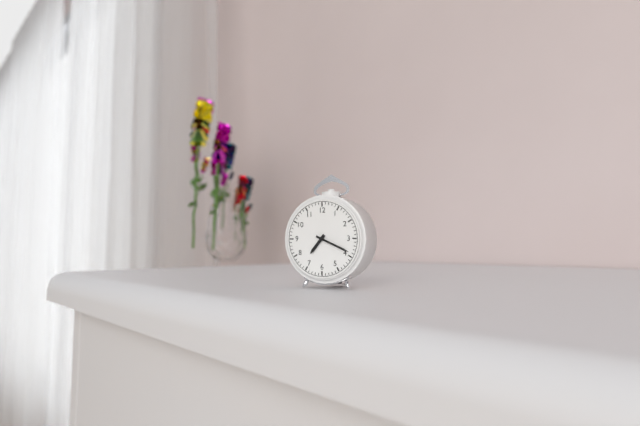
7:19
